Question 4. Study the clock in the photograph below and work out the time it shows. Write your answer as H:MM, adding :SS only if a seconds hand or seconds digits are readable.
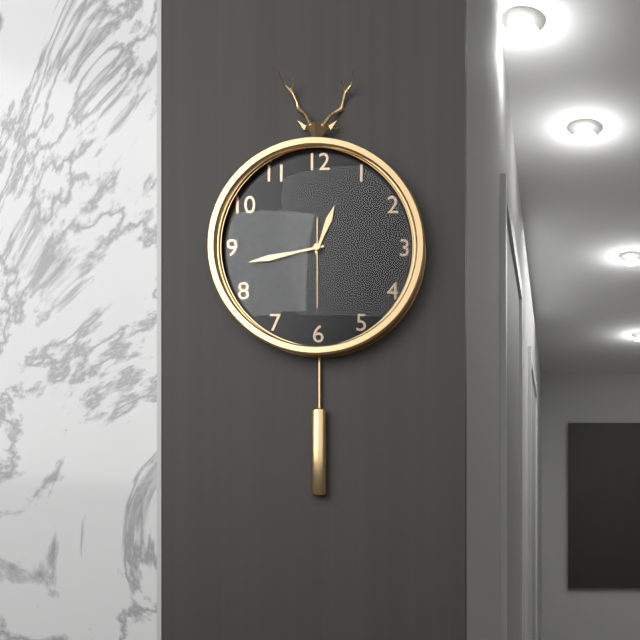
12:43:30
